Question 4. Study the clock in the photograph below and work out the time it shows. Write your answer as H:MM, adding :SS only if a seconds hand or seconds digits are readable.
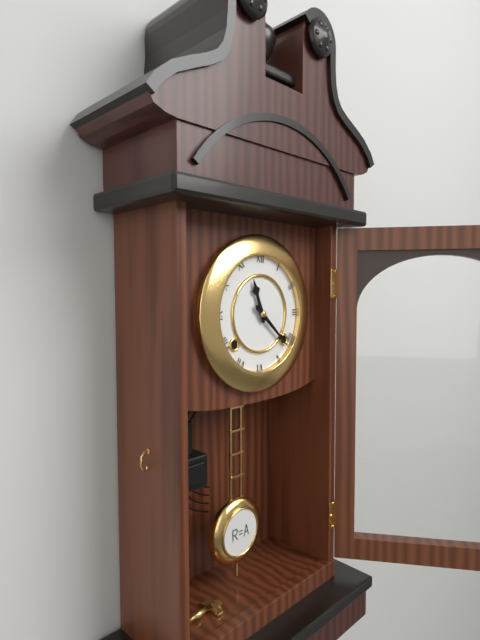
11:22
